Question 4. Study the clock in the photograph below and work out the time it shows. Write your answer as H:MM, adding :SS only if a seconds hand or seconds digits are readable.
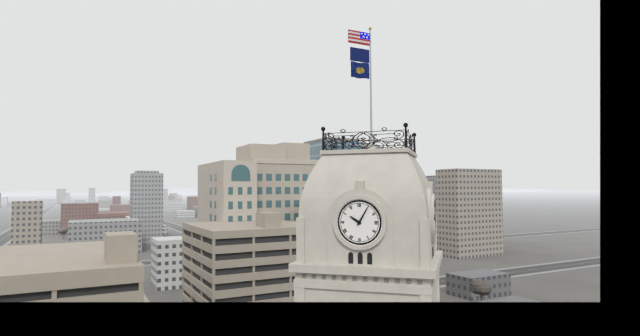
10:05
